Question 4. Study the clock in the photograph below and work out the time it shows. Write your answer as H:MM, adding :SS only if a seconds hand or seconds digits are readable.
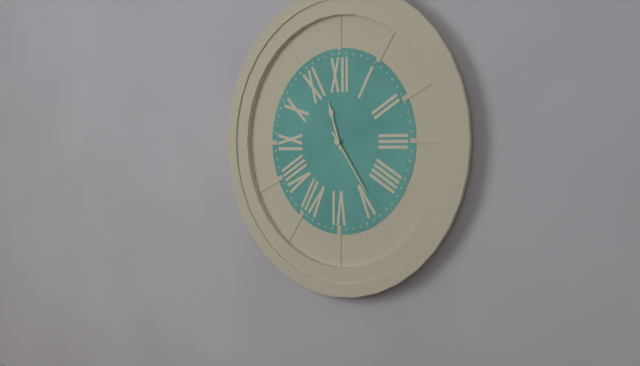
11:24
